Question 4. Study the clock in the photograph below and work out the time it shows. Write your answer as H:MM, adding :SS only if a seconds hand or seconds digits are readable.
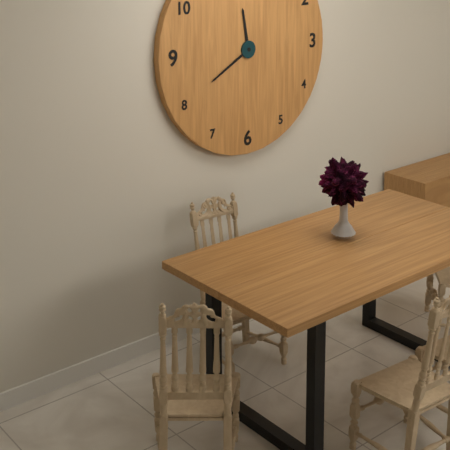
11:40
